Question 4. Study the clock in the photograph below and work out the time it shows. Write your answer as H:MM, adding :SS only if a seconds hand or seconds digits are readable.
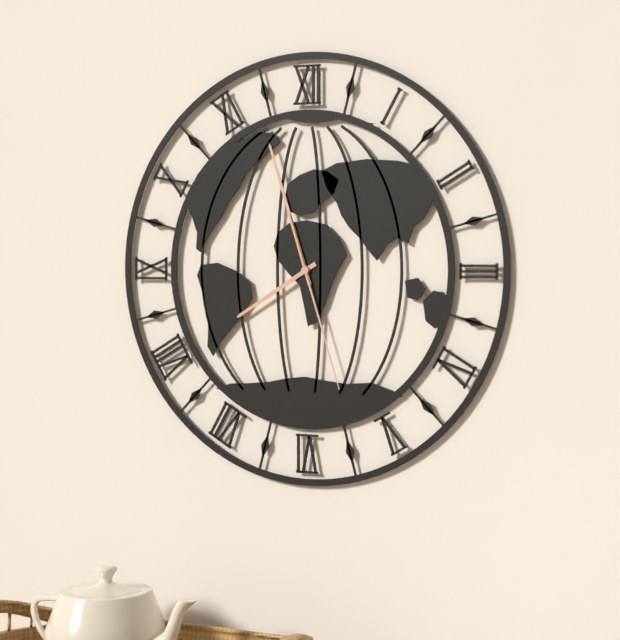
7:57:27
